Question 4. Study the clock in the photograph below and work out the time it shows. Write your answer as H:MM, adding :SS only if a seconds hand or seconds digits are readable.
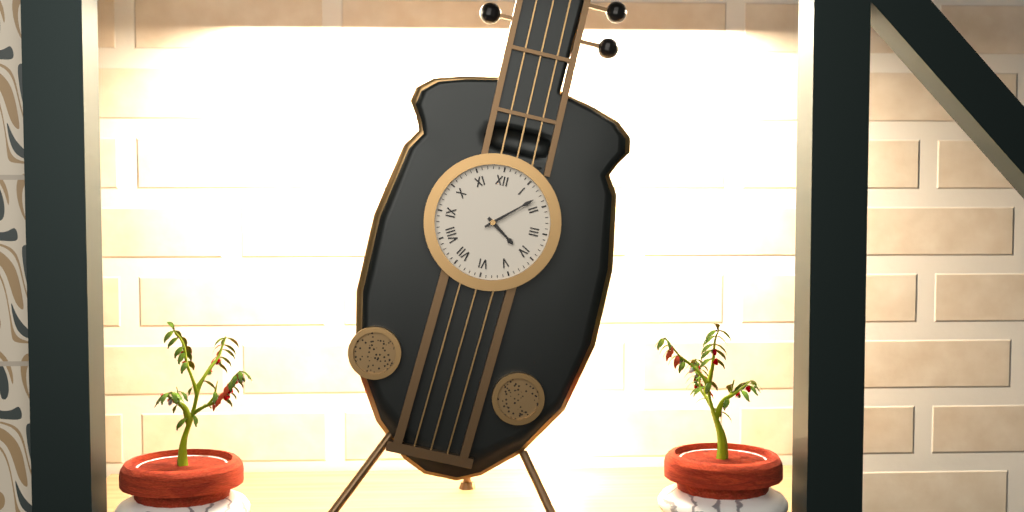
4:08
